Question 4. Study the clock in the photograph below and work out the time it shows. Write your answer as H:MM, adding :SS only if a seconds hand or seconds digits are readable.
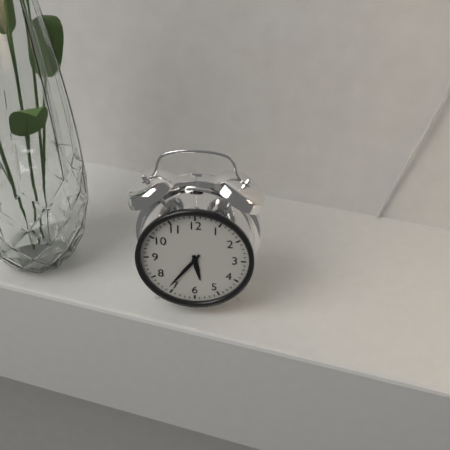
5:36
